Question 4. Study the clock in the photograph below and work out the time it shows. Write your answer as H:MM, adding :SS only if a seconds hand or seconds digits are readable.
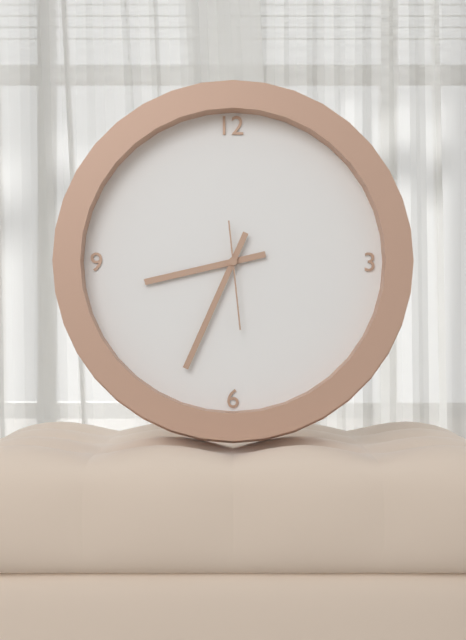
8:34:29
